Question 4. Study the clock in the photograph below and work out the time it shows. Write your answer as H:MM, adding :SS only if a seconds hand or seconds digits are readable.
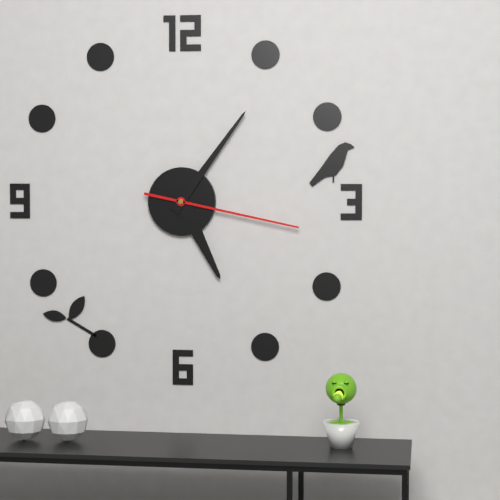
5:06:17
